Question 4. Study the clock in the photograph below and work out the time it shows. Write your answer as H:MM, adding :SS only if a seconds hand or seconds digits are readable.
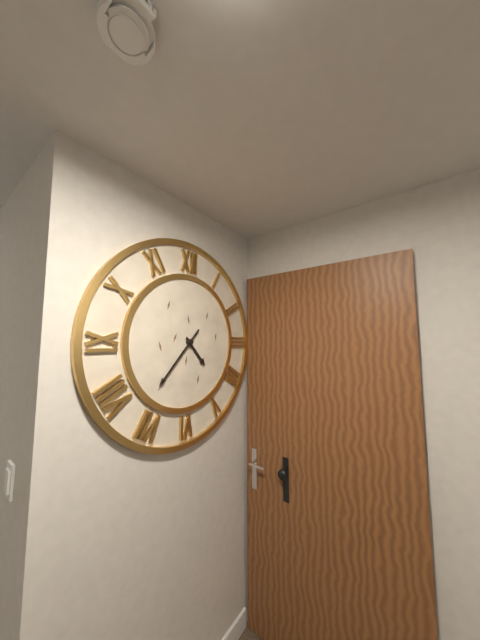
4:37
